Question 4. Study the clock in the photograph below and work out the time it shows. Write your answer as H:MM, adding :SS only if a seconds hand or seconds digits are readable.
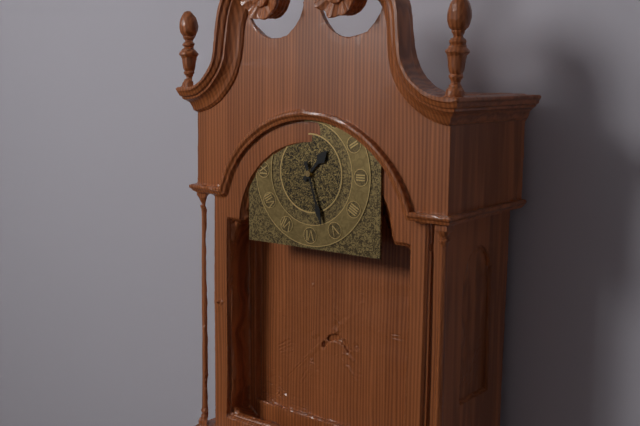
1:27
